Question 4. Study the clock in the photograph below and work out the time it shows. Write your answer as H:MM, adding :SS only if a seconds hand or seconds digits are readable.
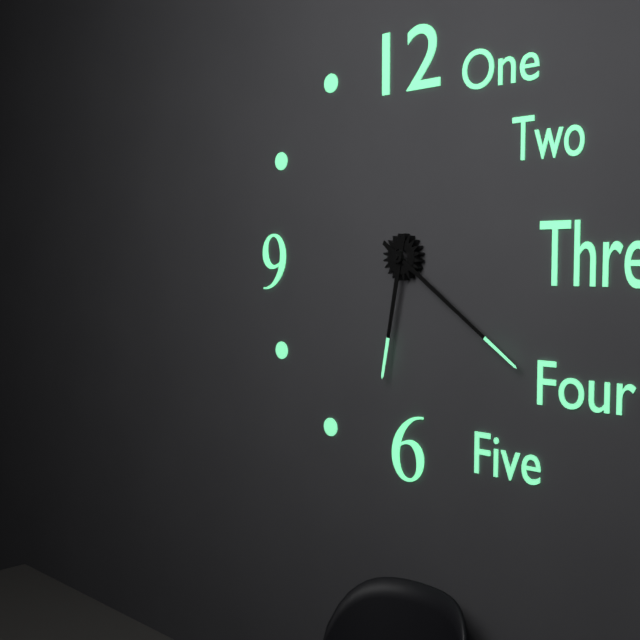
6:21
